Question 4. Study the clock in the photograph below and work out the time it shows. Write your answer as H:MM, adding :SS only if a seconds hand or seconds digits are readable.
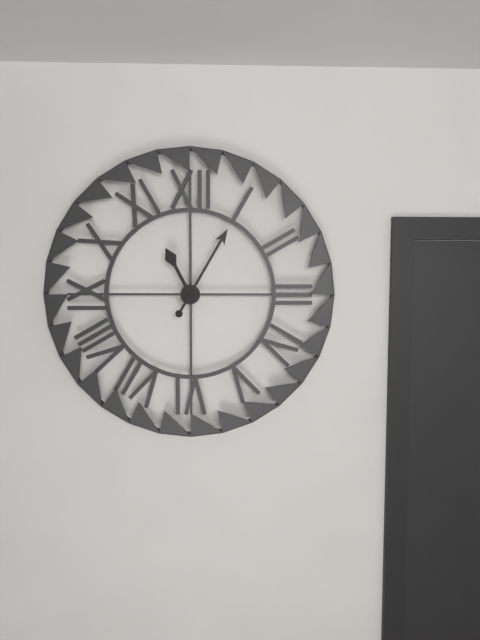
11:05
